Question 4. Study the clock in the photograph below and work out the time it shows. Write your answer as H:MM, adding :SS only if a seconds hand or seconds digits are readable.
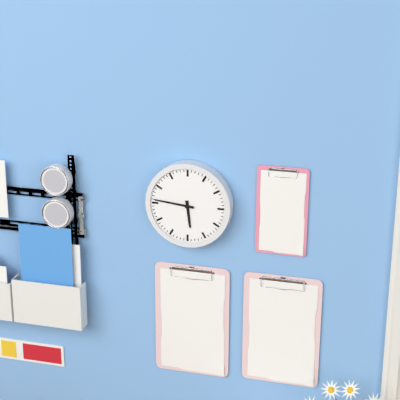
5:46
